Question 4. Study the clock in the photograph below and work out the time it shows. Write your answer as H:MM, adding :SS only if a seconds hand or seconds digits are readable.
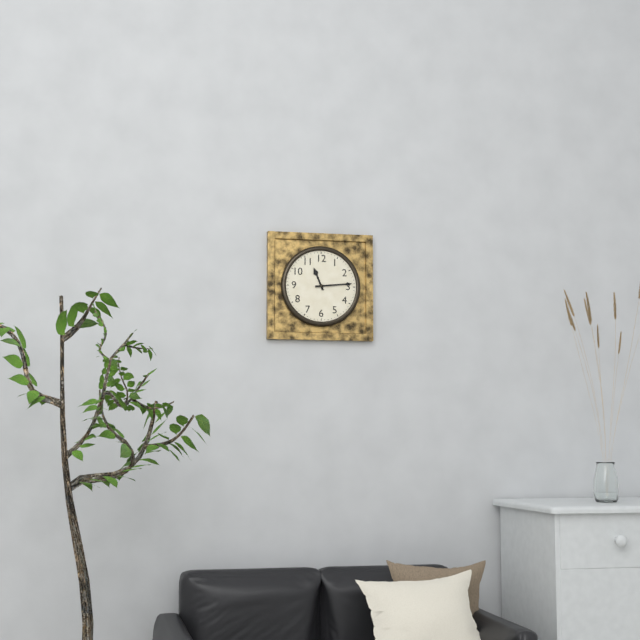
11:14
